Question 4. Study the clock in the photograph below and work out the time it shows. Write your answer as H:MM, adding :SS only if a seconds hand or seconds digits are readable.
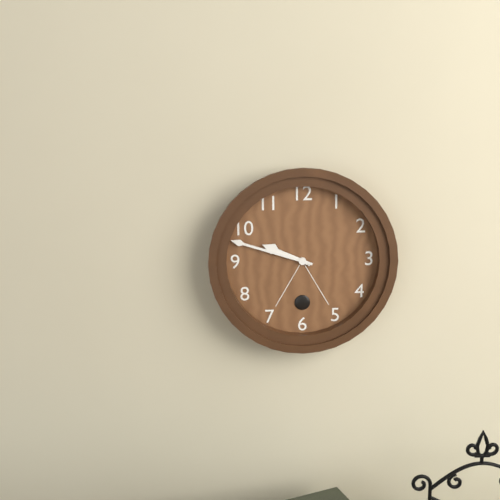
9:48
